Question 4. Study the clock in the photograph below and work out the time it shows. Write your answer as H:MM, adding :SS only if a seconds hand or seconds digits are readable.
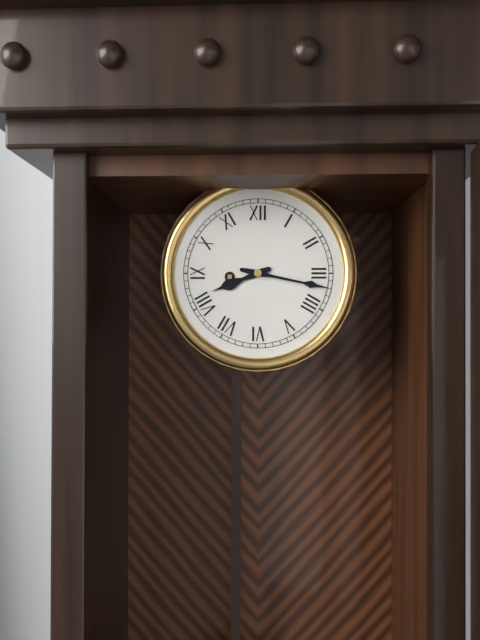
8:17
